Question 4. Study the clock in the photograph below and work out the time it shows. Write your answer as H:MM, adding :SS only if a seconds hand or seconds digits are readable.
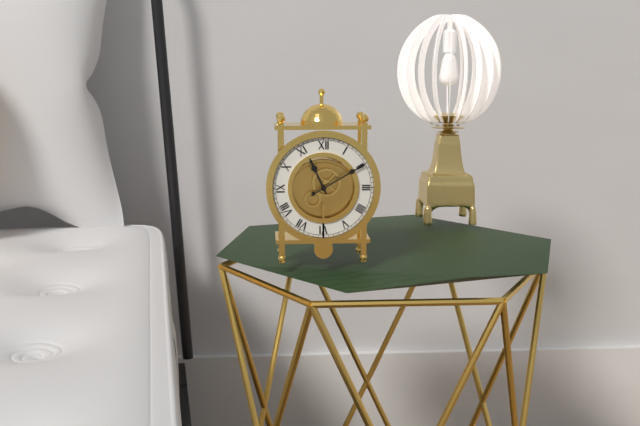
11:10
